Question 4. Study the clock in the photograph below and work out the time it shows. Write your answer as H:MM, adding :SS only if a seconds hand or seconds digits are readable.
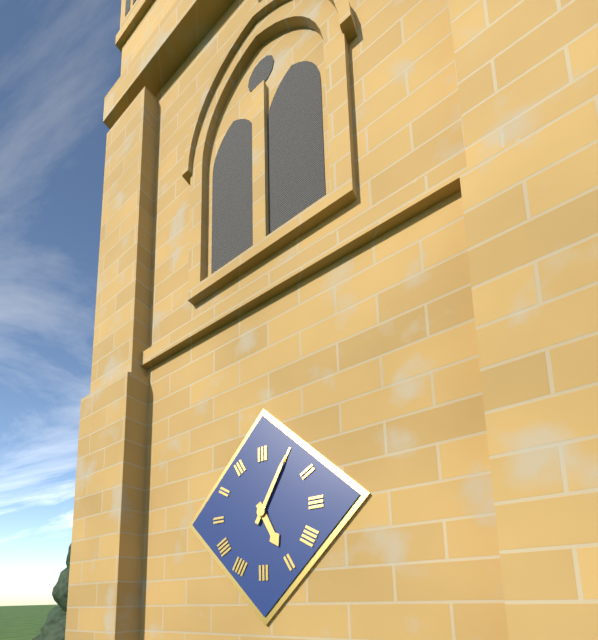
5:05
